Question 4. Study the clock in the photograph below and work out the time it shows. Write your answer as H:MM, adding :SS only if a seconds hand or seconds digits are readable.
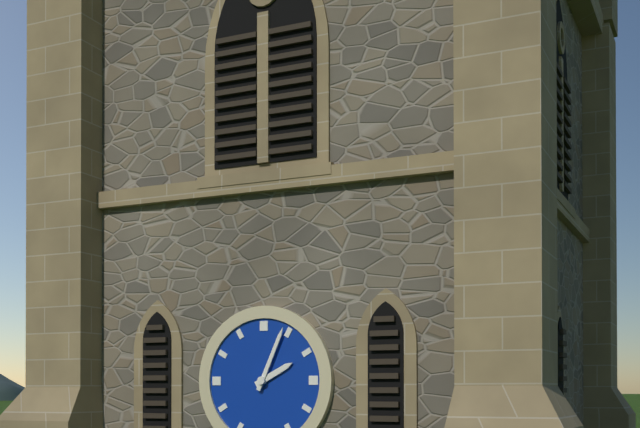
2:04
